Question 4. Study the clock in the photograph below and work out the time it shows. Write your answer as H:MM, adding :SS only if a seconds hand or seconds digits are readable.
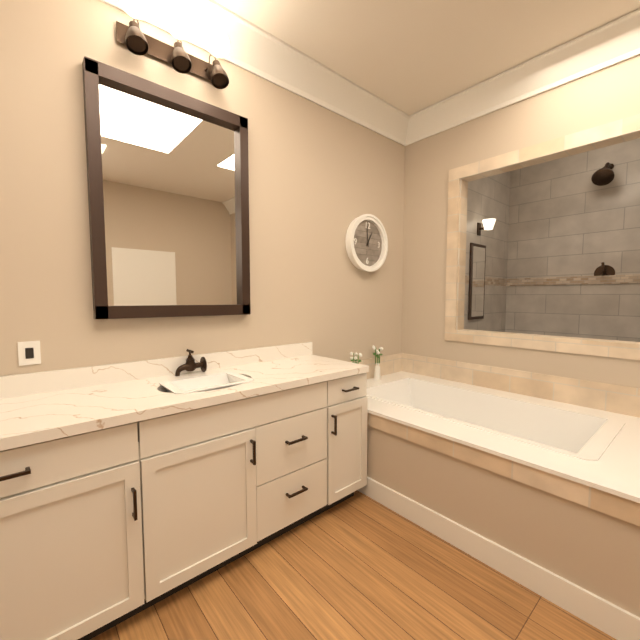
12:59
